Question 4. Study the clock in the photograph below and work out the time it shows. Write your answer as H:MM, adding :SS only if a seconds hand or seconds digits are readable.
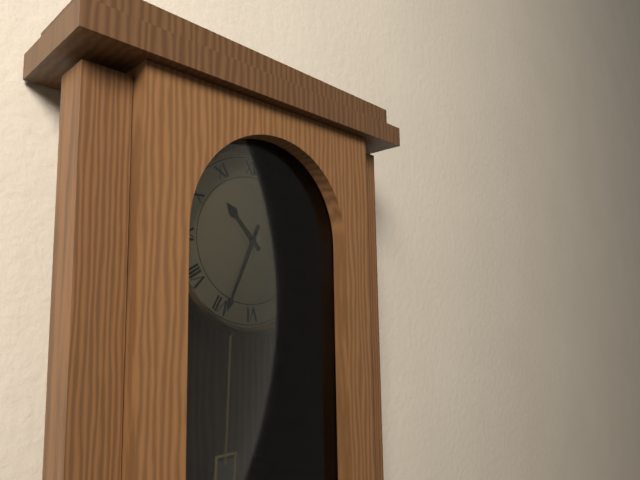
10:34
